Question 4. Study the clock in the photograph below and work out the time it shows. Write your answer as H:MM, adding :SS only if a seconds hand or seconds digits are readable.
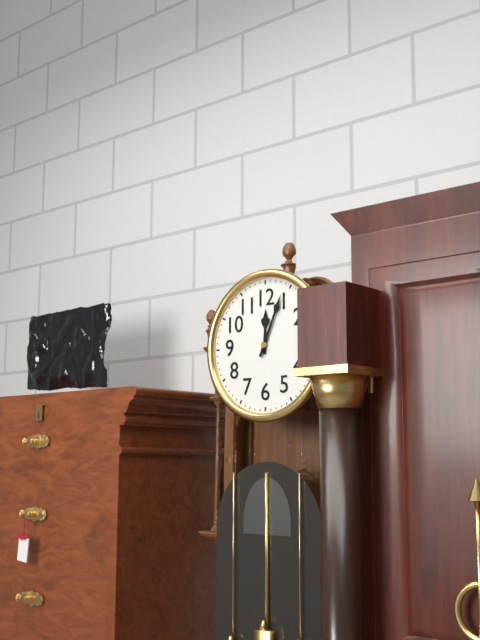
12:04
